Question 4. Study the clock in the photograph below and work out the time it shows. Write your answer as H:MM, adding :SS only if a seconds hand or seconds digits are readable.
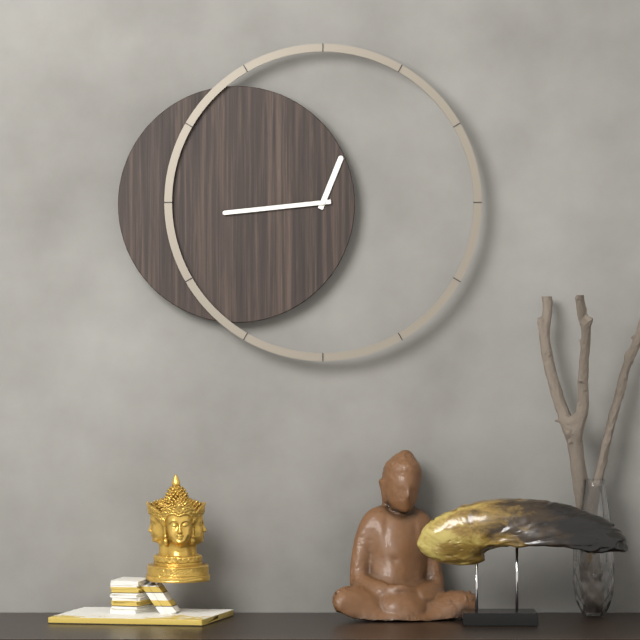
12:44
